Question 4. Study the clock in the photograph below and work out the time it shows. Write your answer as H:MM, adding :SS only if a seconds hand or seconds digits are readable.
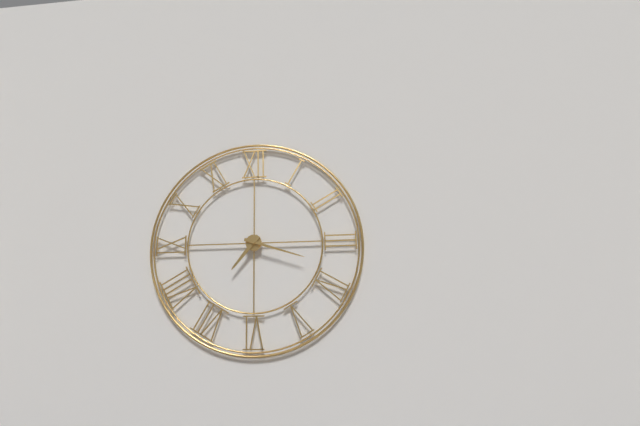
7:18
